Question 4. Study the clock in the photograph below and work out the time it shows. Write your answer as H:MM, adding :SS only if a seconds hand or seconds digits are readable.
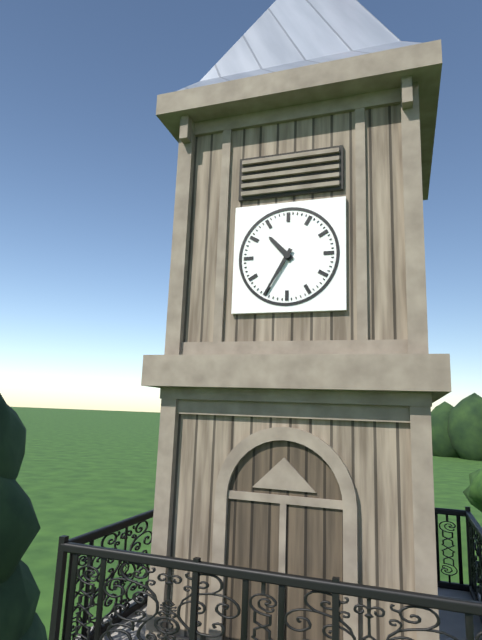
10:35
